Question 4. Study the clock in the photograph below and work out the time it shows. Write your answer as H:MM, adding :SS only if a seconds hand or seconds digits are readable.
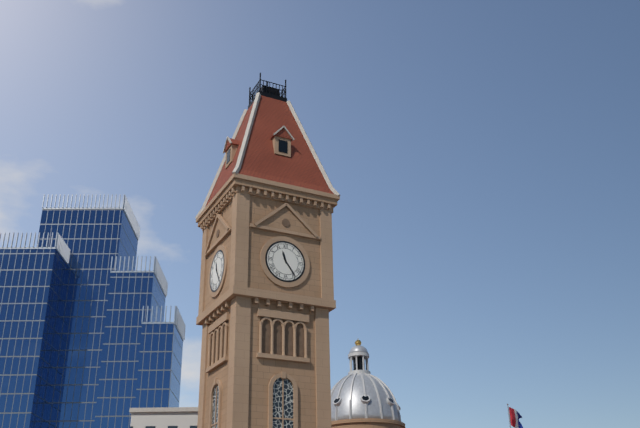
11:24
